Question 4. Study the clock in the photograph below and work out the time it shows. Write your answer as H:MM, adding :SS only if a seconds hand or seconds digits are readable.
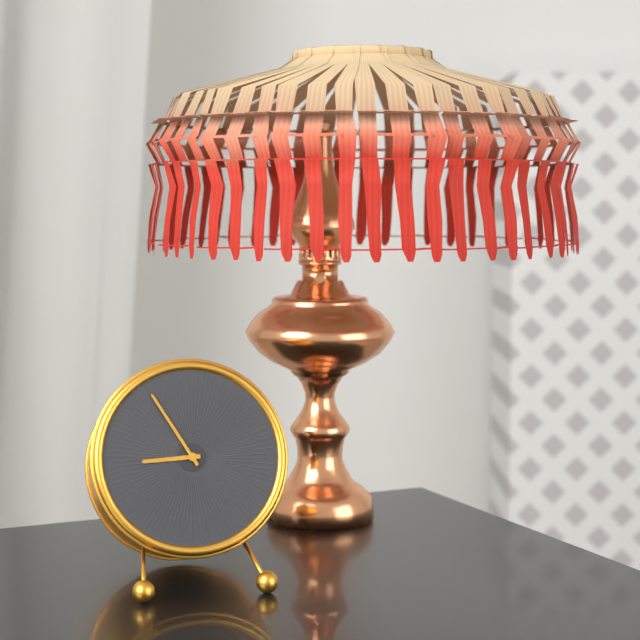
8:55
